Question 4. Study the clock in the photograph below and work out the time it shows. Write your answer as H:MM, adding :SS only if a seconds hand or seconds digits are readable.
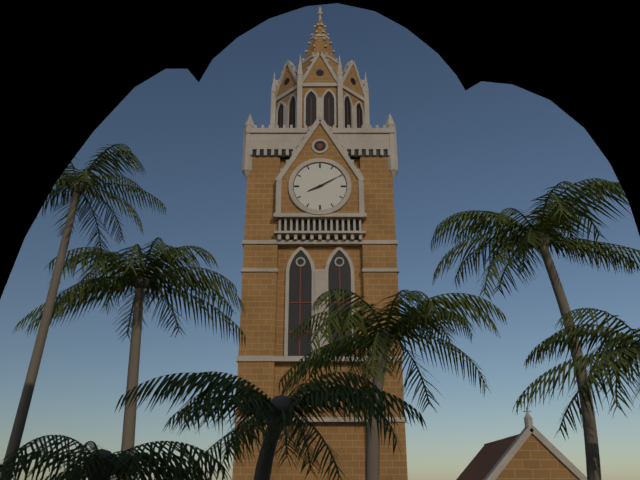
8:10
